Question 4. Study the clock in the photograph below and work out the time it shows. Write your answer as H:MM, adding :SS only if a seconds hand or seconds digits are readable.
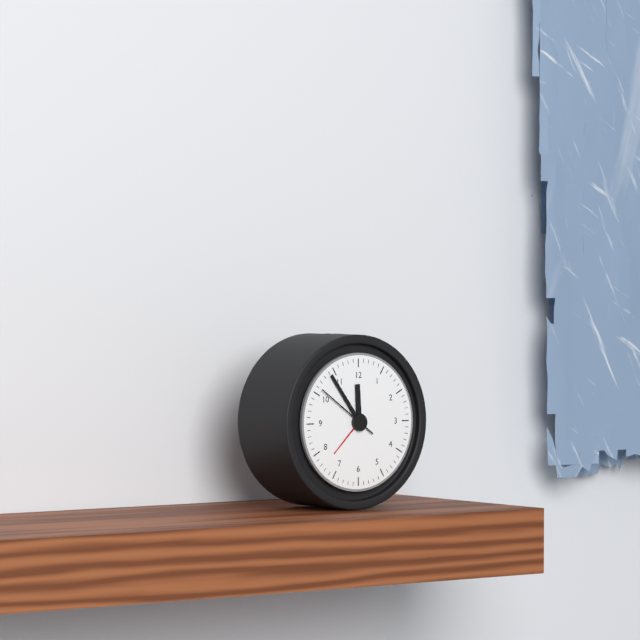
11:54:51
